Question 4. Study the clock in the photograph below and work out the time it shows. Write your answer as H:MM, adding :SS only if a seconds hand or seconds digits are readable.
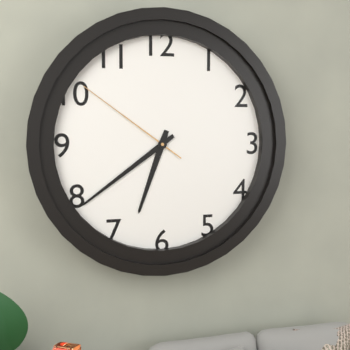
6:39:51
